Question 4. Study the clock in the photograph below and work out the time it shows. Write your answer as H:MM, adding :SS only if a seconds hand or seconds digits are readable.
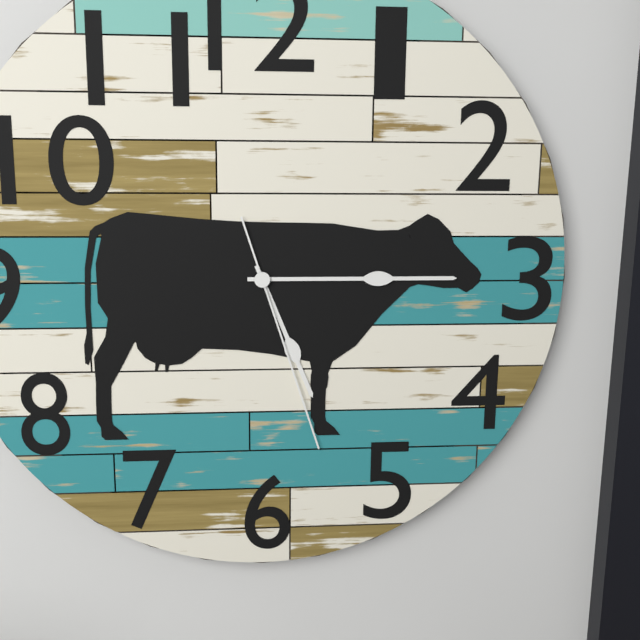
5:15:27
